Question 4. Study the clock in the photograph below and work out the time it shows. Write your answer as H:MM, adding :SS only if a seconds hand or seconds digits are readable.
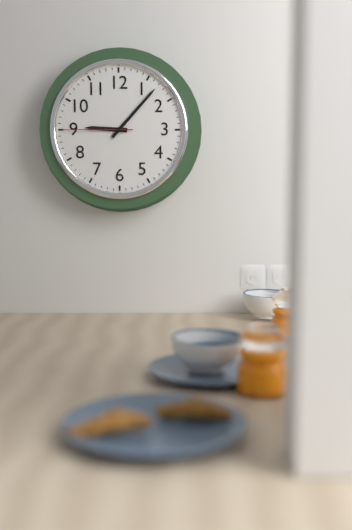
9:07:45
